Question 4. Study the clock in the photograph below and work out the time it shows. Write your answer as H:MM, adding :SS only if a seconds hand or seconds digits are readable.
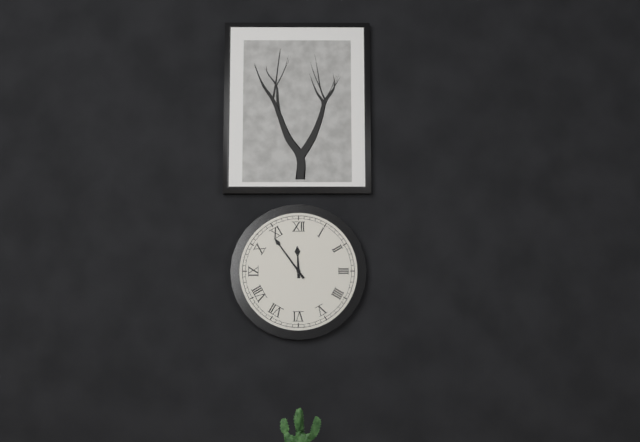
11:54
